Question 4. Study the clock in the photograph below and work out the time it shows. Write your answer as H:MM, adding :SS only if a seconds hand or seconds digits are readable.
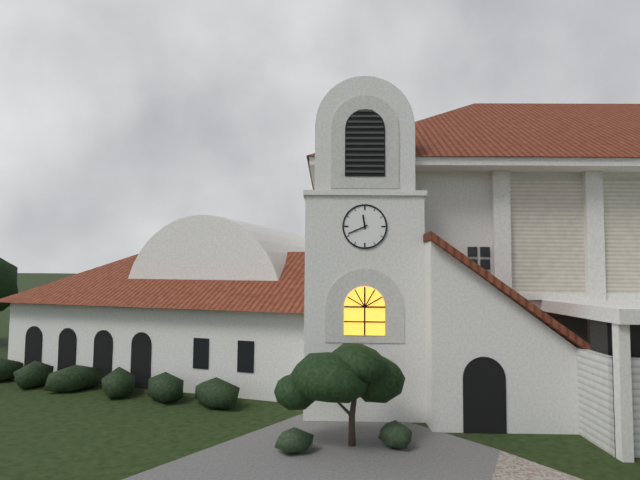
11:41
